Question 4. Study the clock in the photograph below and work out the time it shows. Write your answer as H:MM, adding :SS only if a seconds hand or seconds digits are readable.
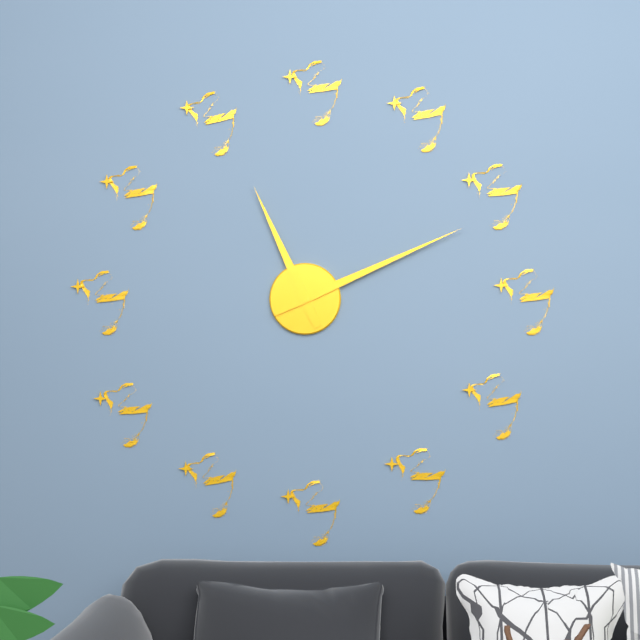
11:11
